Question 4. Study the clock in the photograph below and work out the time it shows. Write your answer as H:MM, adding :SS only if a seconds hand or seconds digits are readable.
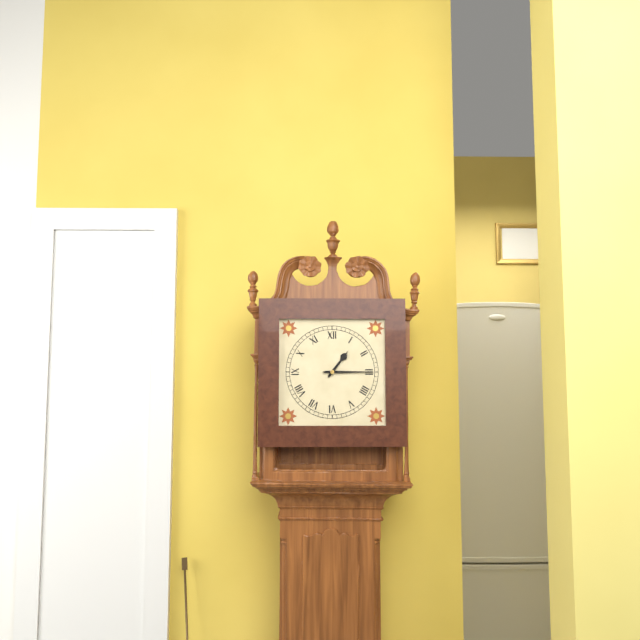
1:15
